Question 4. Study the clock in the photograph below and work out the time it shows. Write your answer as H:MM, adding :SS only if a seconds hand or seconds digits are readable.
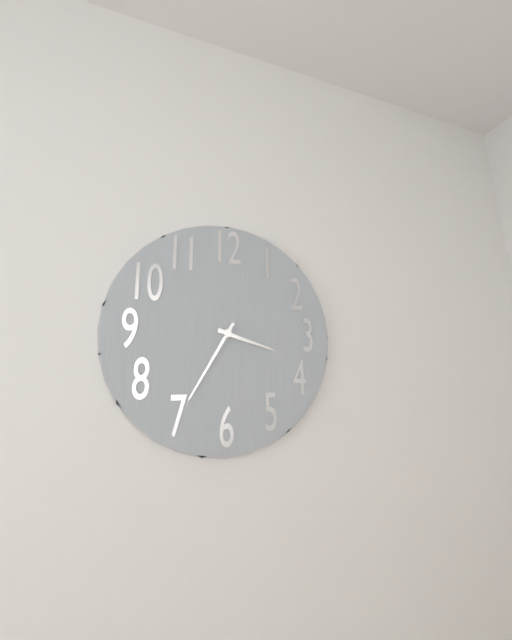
3:35
